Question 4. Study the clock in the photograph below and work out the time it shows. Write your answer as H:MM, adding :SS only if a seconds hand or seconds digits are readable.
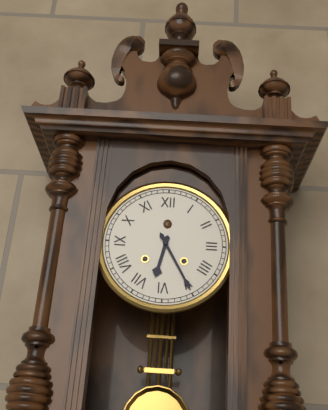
6:25
